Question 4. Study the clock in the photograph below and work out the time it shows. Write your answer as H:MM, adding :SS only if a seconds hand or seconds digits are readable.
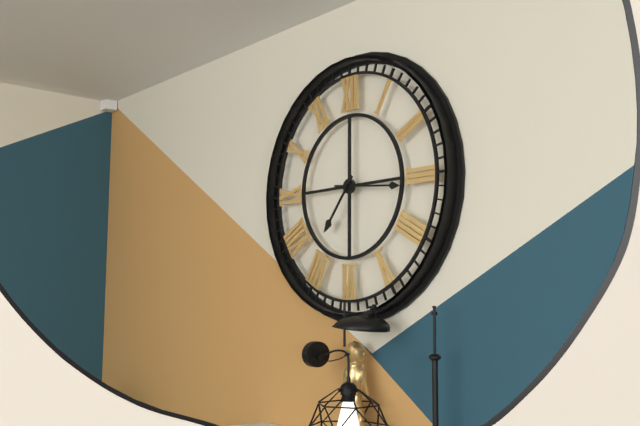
7:16
